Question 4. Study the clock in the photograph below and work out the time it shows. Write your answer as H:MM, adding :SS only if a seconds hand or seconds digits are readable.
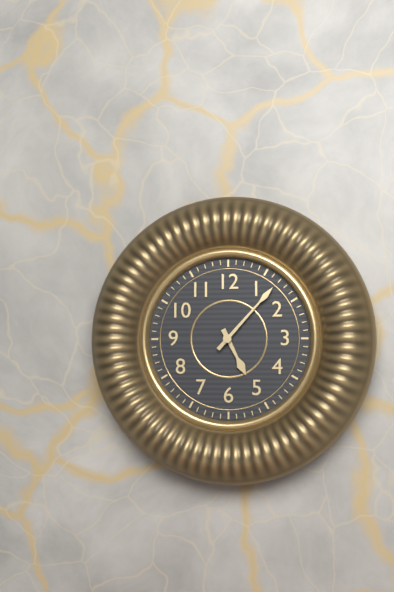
5:07
